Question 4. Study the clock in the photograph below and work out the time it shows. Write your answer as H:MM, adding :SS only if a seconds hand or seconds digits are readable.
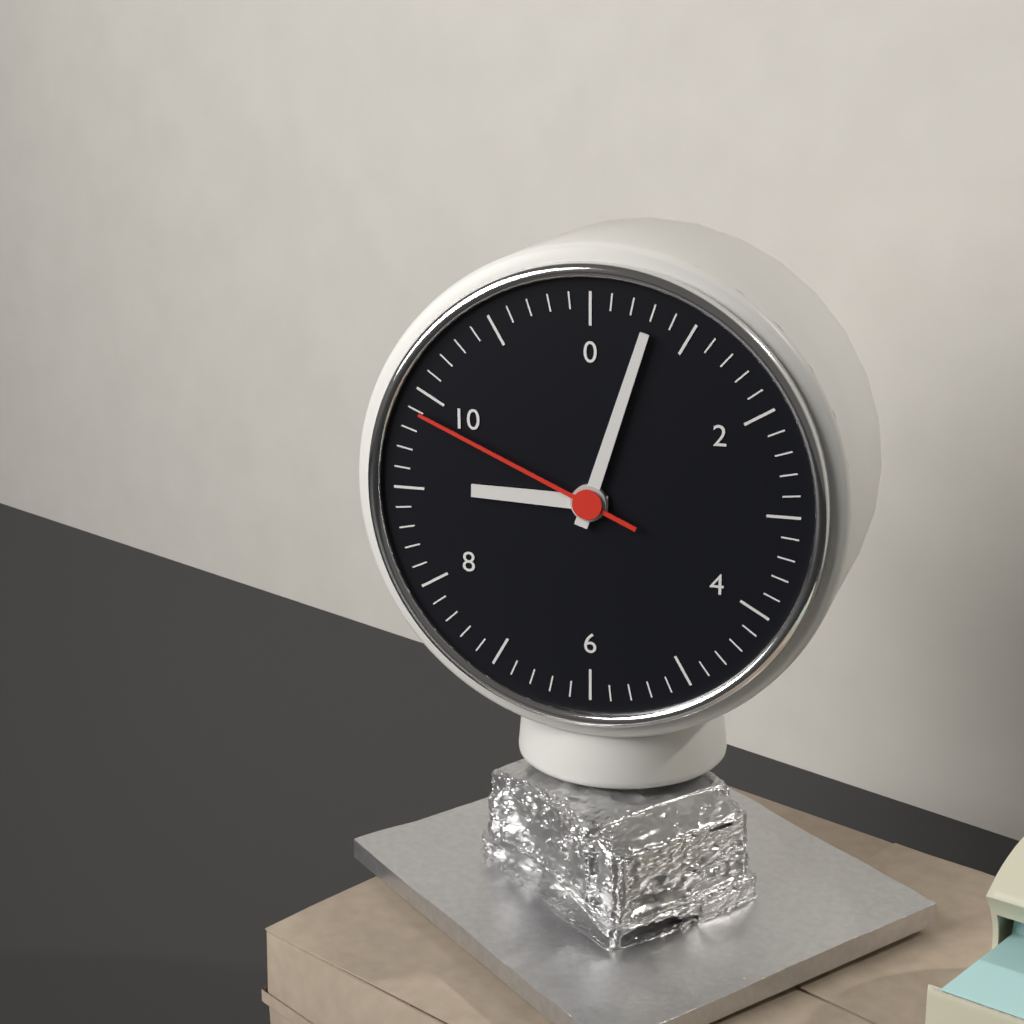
9:03:49
